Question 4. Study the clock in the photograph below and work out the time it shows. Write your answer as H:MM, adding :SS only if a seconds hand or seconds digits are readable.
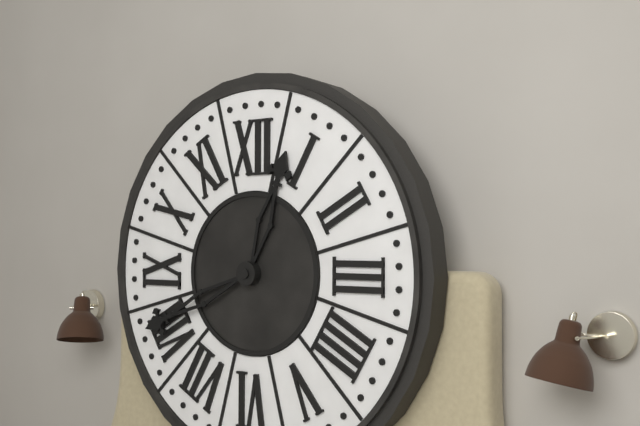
12:41
